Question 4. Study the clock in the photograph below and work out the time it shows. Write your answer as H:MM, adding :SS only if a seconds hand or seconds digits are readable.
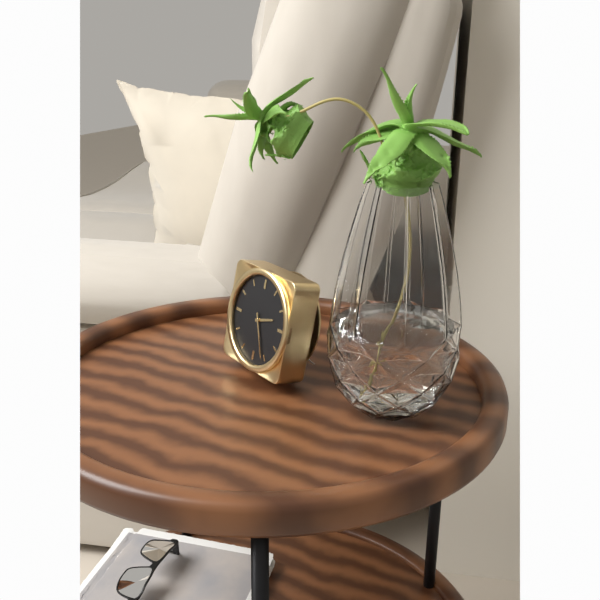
2:26
